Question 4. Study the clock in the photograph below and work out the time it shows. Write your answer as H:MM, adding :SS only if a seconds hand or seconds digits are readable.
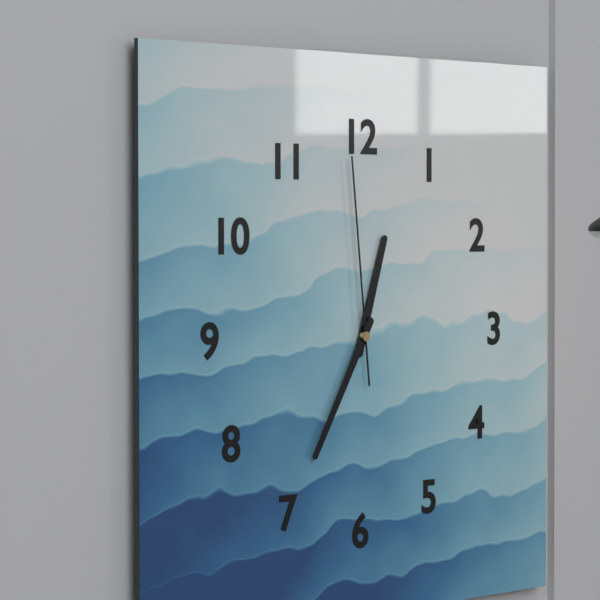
12:35:59
